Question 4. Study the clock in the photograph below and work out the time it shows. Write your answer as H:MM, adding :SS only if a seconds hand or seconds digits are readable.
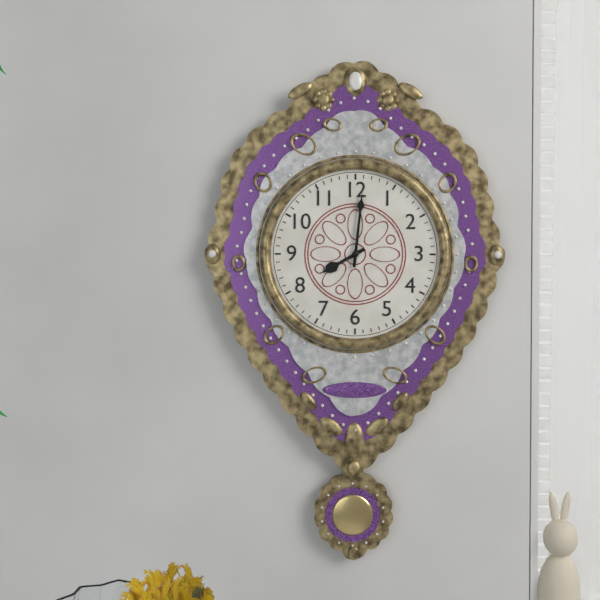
8:01
